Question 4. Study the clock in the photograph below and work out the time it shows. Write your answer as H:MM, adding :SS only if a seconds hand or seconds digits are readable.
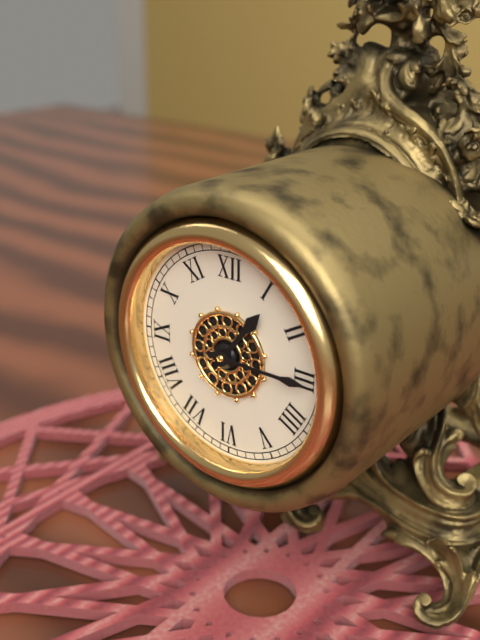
1:15
